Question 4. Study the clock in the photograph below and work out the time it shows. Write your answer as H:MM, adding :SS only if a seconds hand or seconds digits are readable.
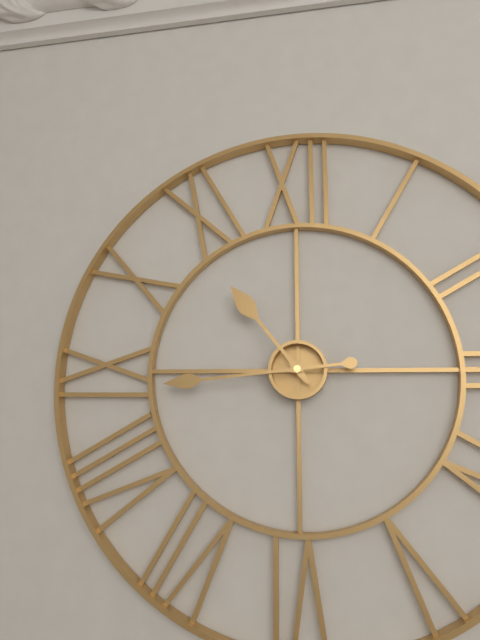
10:44
